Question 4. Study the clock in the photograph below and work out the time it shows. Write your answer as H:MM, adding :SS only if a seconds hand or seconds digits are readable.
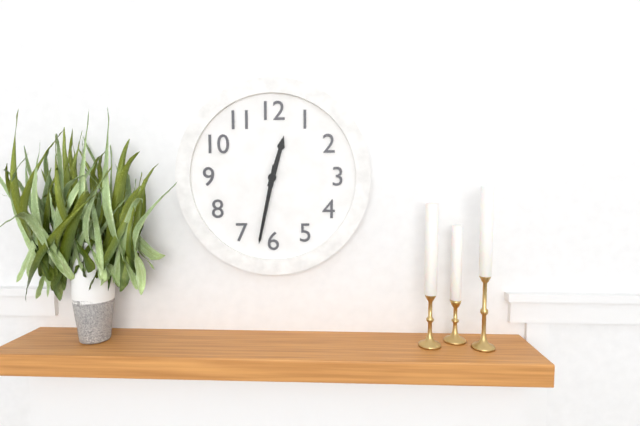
12:32
